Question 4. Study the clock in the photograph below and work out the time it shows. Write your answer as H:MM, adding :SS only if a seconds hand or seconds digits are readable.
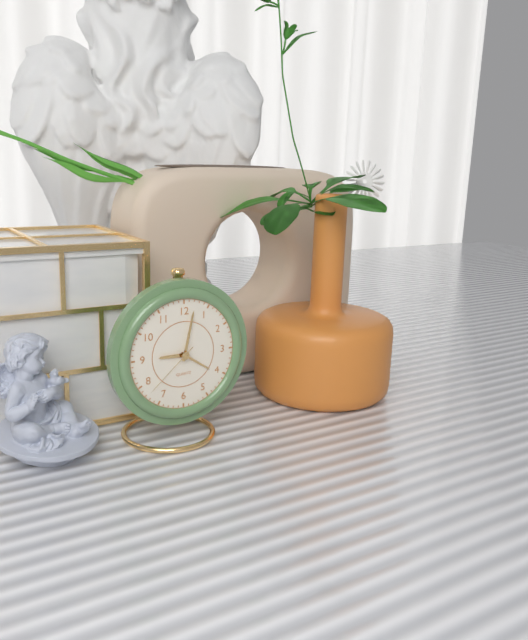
9:02:38
